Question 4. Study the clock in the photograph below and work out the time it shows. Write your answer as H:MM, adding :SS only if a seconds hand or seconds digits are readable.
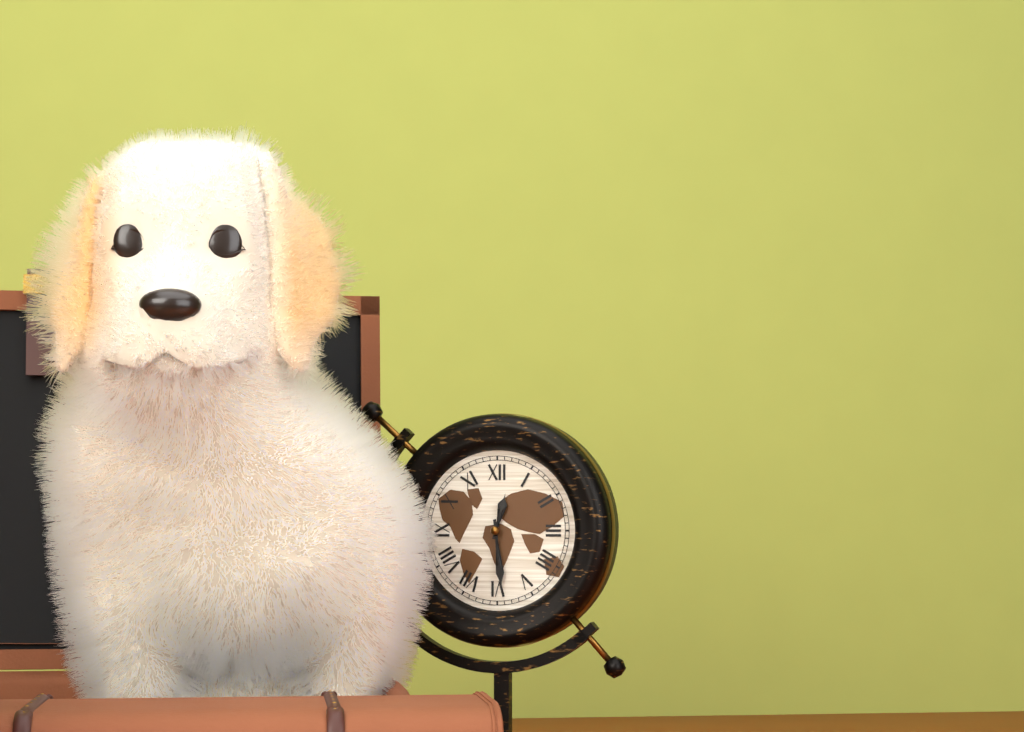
12:29
